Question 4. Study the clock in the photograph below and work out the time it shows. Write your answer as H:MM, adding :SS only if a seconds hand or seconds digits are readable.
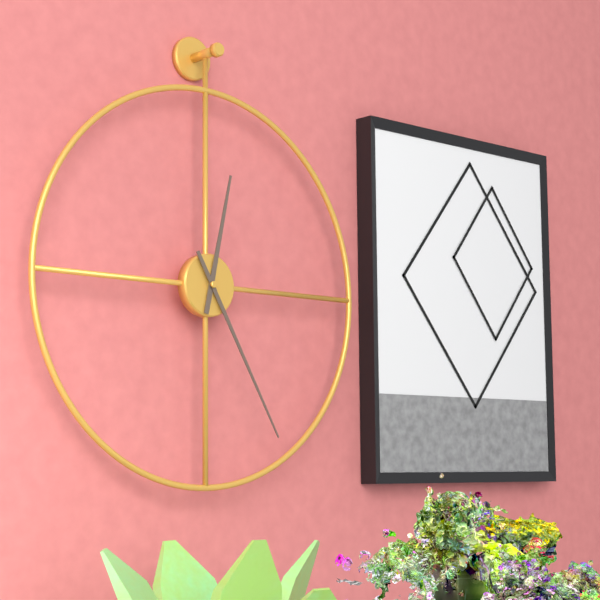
12:25
